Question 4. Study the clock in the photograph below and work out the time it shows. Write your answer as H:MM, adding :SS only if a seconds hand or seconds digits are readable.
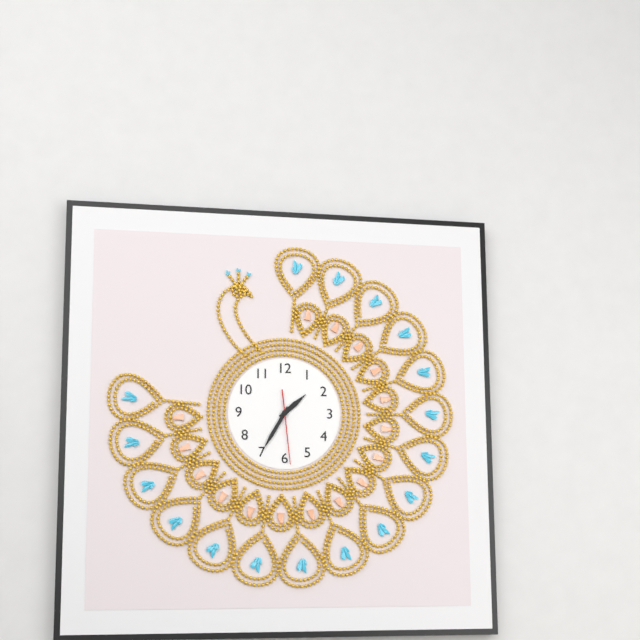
1:35:29
